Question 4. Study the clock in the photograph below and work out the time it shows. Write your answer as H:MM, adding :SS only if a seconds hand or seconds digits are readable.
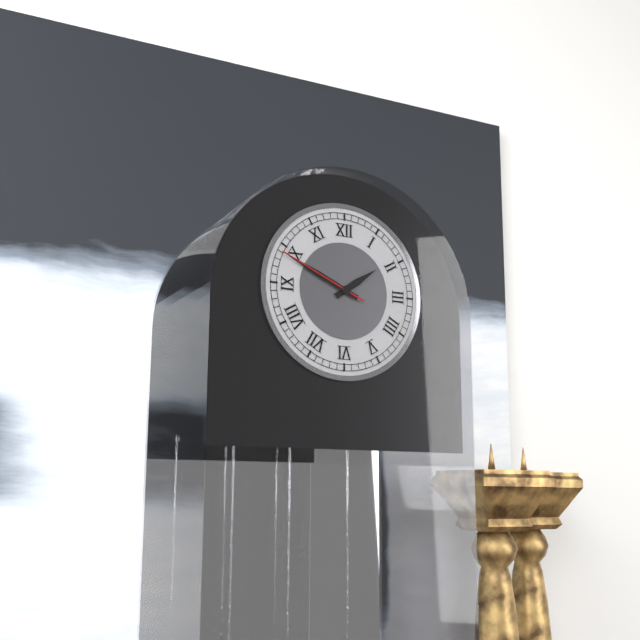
1:49:49
